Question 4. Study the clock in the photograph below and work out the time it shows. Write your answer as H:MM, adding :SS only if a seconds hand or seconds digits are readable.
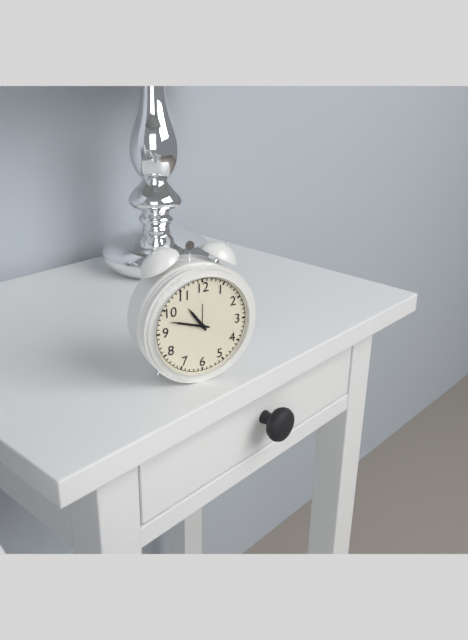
10:48
